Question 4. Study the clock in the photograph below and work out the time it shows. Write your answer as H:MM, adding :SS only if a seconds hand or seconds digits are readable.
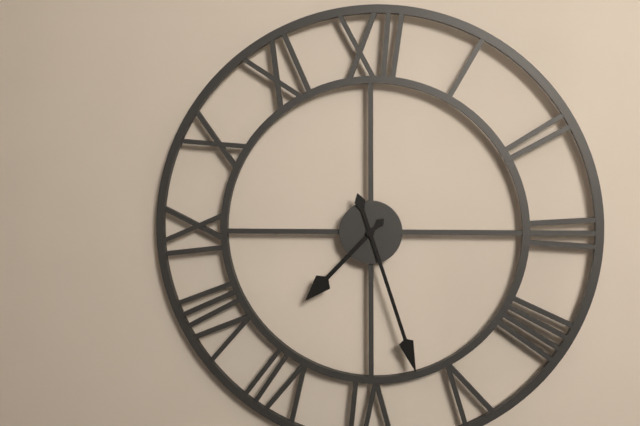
7:27
